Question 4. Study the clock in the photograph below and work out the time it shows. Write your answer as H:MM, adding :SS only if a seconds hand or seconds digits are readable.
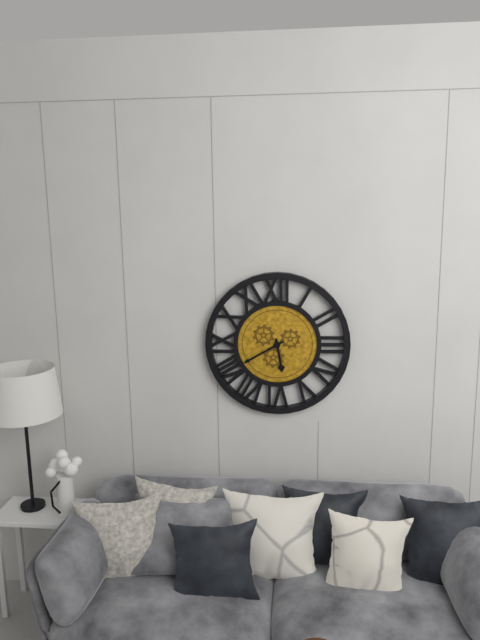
5:40
